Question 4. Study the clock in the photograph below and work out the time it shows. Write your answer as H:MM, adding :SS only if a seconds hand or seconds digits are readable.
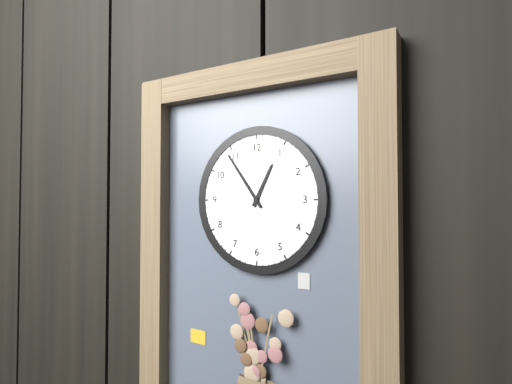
12:54
